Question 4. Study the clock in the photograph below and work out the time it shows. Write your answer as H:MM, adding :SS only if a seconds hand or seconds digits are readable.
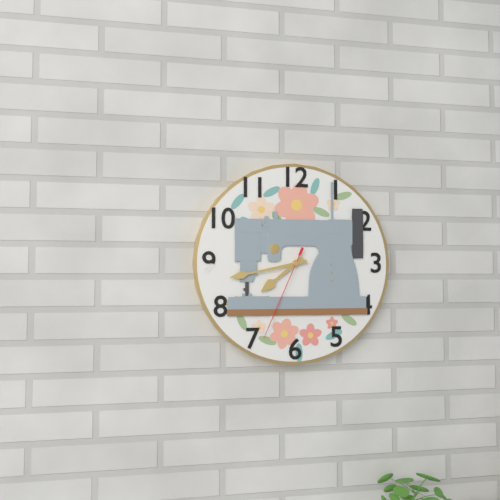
7:43:34
